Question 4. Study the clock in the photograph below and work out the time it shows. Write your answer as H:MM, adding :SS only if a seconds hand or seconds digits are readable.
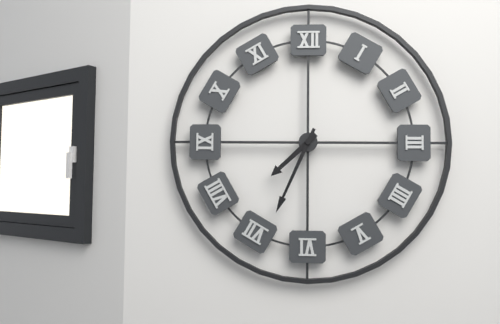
7:34
